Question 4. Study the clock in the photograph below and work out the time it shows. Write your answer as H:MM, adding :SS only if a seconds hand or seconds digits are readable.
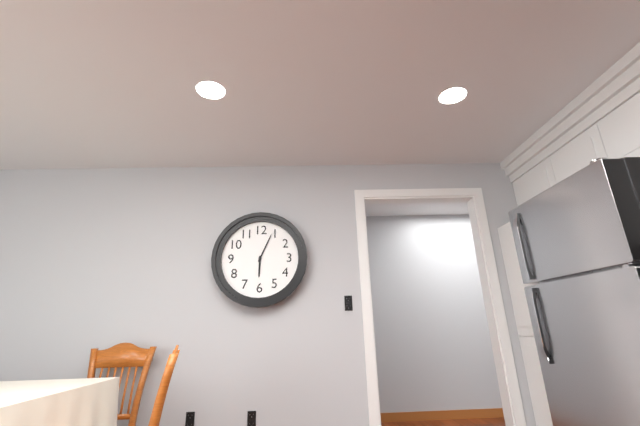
6:04
